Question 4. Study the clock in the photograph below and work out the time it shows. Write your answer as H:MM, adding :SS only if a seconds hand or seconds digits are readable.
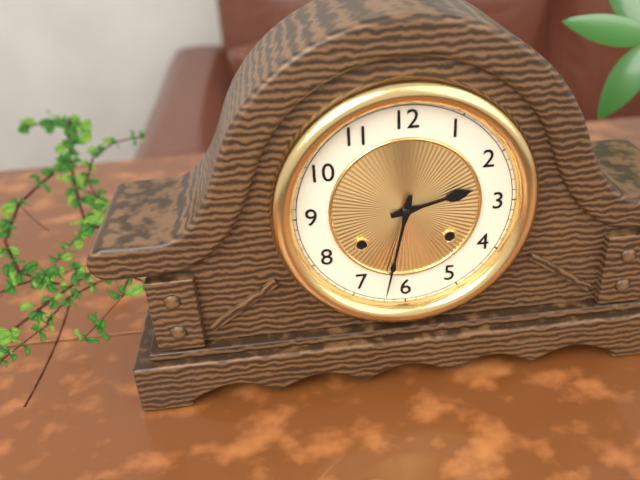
2:32
